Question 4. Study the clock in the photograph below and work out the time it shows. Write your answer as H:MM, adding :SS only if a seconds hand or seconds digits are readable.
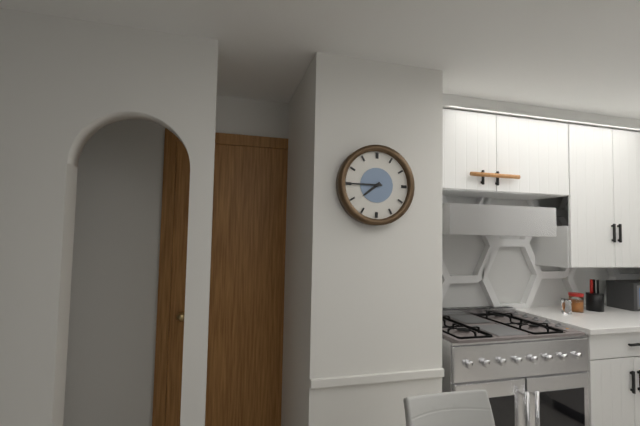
7:45
